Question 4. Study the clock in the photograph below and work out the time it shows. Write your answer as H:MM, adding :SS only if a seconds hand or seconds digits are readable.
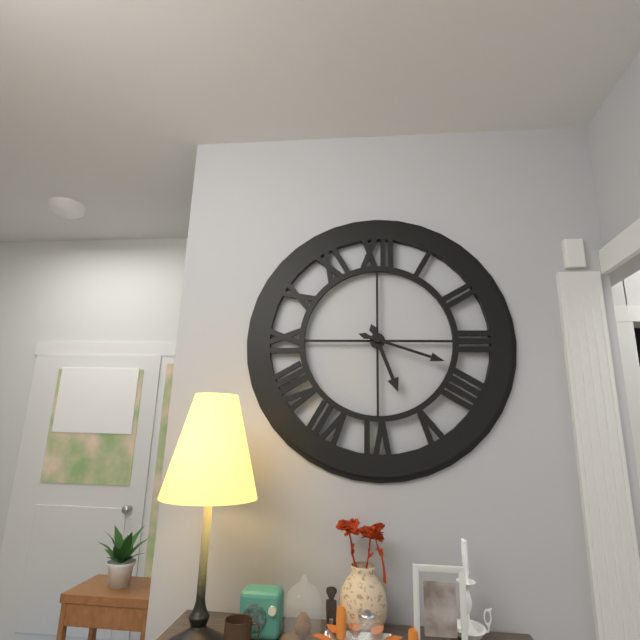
5:18
